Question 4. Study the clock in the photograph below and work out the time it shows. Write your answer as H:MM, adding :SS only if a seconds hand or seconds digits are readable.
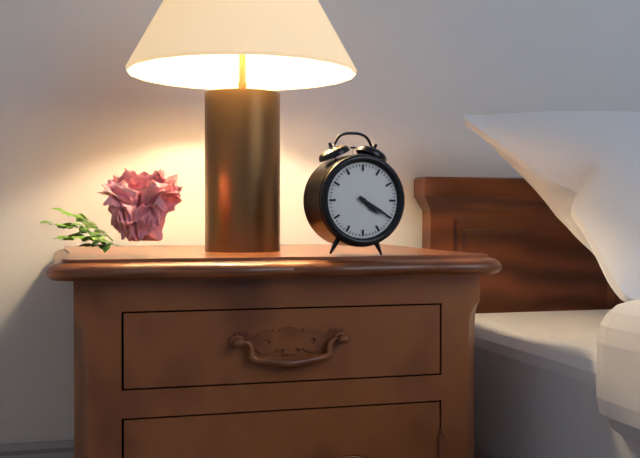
4:20
